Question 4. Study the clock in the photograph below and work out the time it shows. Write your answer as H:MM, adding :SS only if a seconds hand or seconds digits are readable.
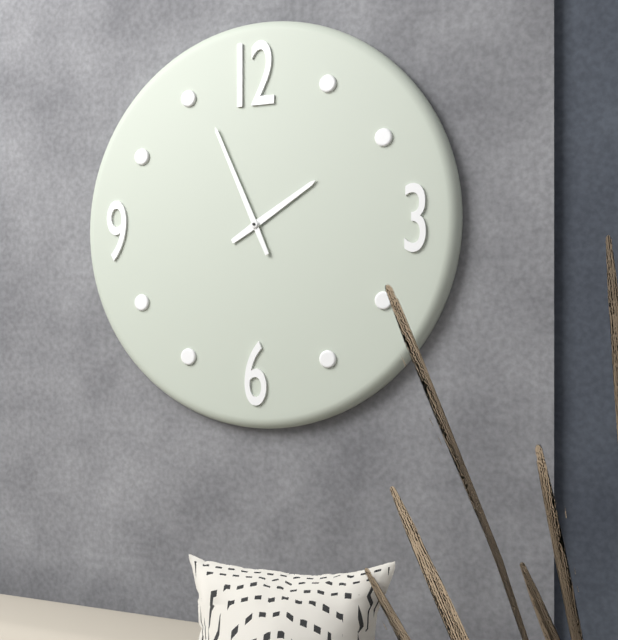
1:56
